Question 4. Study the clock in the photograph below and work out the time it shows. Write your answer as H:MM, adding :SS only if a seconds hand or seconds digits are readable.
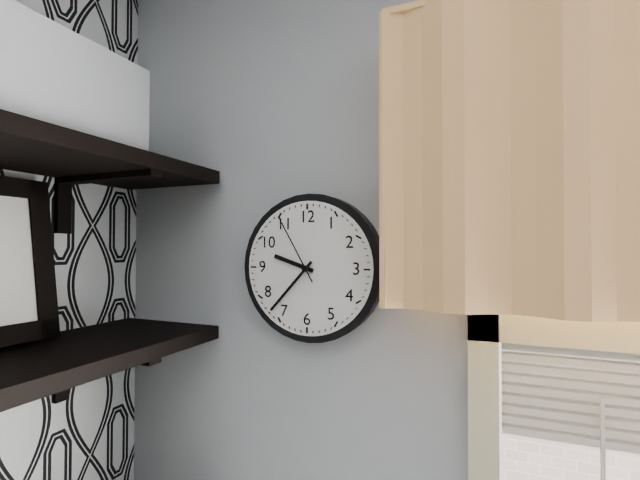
9:37:55
